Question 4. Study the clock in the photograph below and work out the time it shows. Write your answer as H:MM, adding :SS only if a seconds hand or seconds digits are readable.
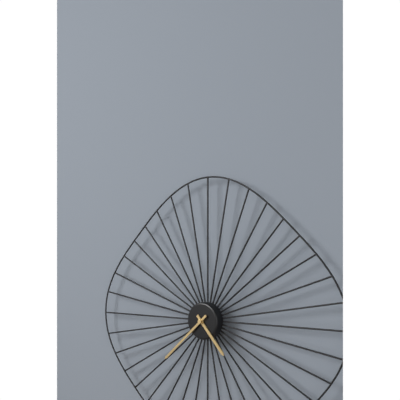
4:38
